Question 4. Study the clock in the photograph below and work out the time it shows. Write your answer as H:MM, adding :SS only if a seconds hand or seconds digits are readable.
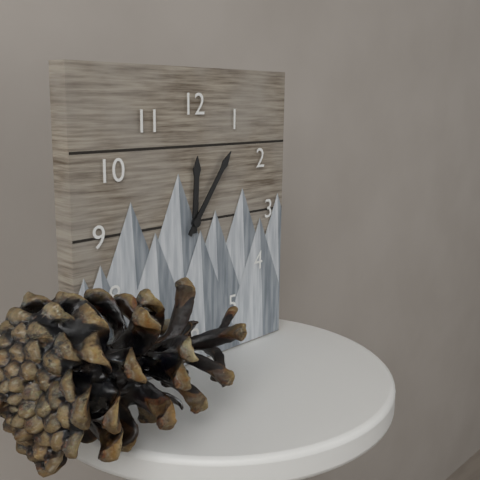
12:06
